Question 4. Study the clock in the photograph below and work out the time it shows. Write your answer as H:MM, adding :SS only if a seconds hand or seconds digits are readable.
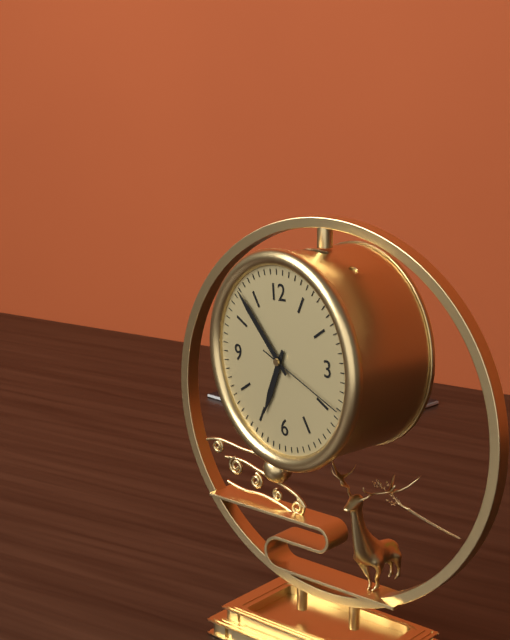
6:53:19
